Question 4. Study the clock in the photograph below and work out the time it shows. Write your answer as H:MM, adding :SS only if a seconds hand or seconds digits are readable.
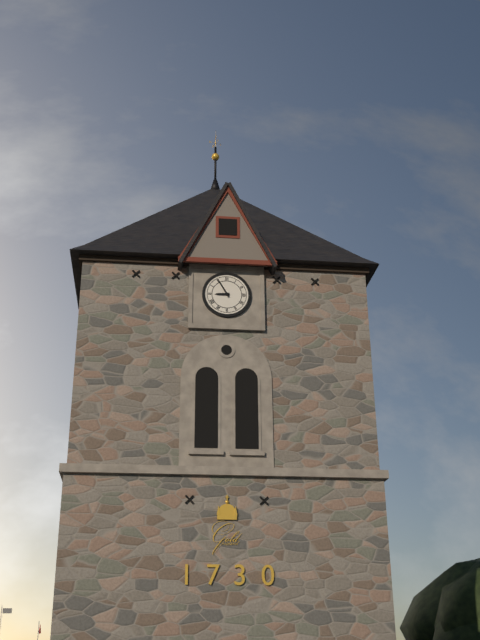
8:55
